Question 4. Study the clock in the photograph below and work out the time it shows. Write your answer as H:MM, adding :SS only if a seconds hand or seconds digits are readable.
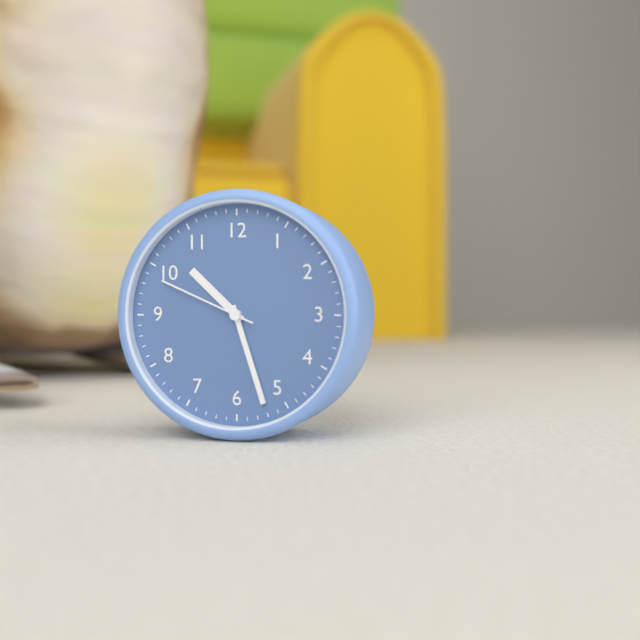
10:27:49
